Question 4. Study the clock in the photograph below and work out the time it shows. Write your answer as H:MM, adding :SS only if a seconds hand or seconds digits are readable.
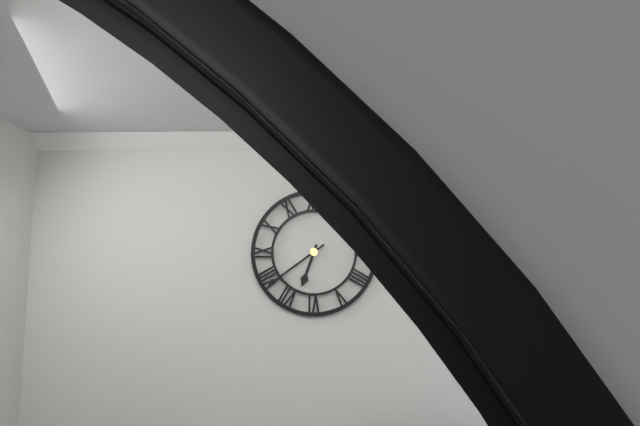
6:39
